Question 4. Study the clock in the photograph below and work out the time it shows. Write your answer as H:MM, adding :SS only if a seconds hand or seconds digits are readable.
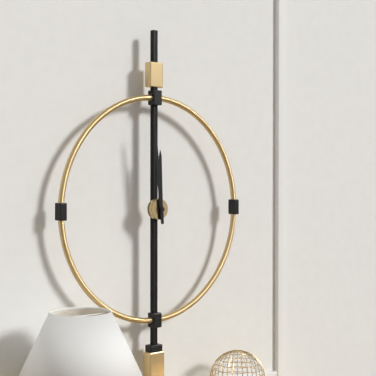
11:59
